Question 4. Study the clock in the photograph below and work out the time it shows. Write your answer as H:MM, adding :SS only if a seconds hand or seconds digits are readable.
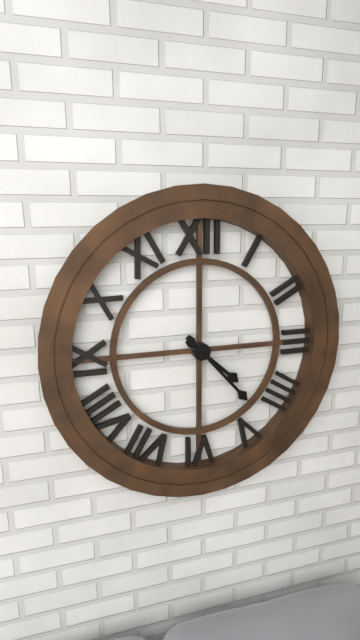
4:23
